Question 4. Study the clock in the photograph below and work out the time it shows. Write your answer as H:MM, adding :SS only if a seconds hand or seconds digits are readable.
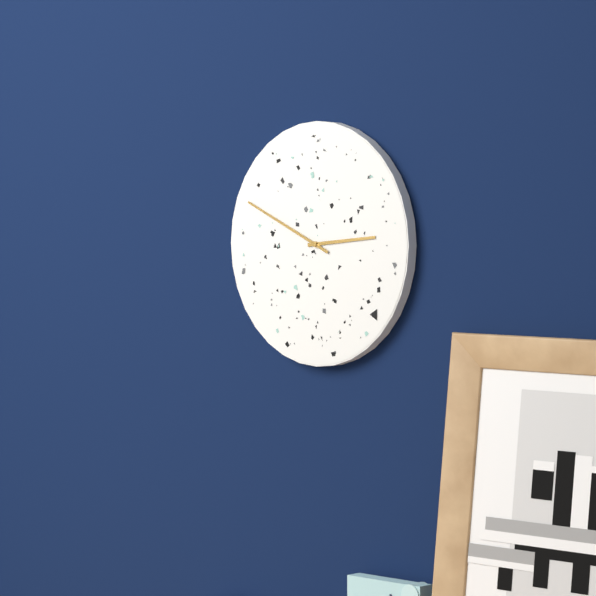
2:49
